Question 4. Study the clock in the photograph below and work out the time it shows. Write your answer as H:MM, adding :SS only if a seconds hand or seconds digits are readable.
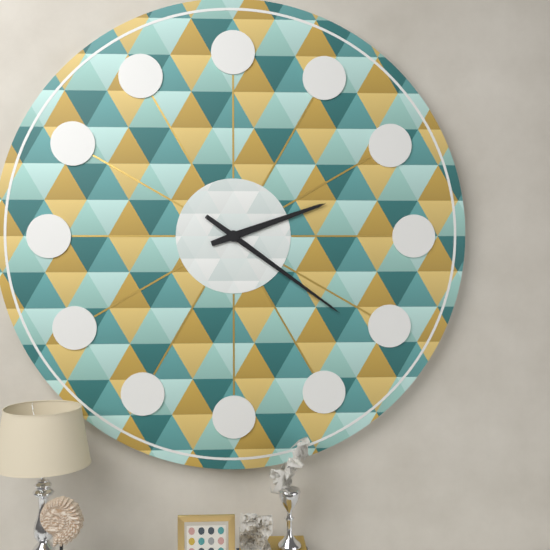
2:21
